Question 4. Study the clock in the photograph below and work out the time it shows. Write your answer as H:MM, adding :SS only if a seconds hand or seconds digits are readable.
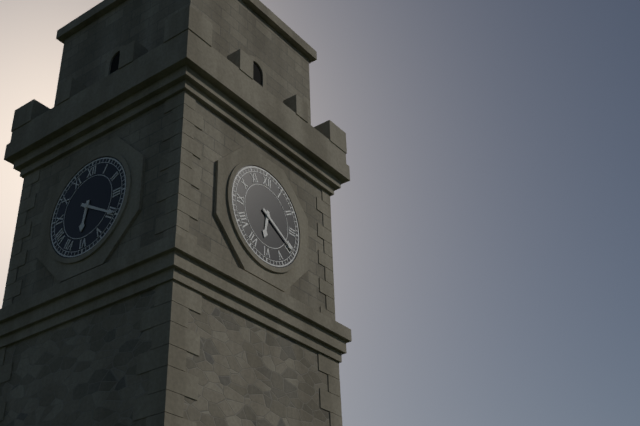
6:20
